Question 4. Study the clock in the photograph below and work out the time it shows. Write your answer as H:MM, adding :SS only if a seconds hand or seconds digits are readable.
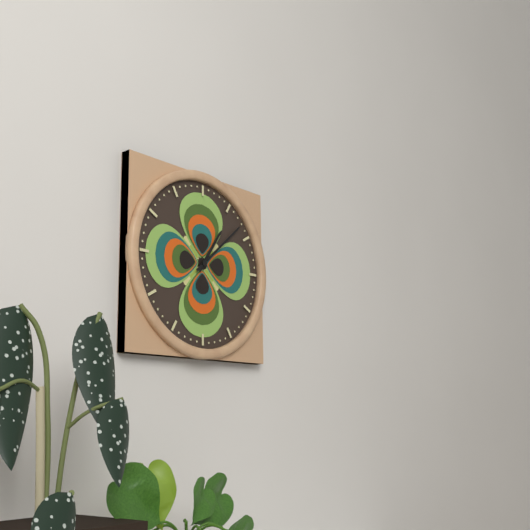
1:08
